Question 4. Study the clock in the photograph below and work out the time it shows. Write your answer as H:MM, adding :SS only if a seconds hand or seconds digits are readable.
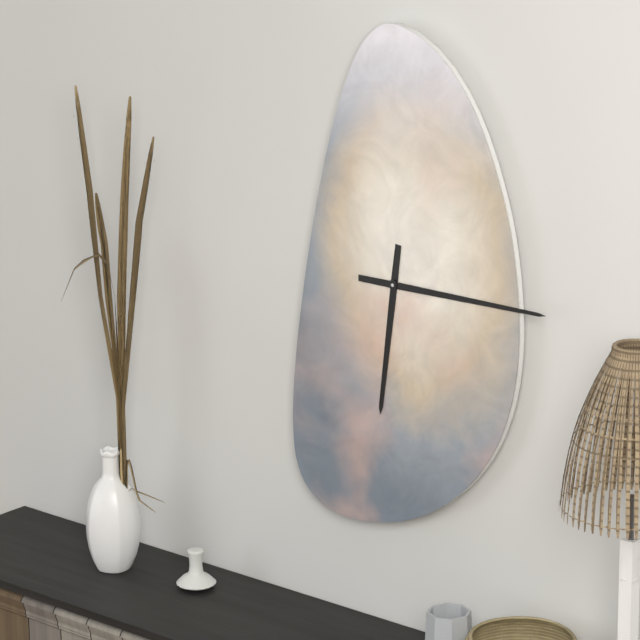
6:15
